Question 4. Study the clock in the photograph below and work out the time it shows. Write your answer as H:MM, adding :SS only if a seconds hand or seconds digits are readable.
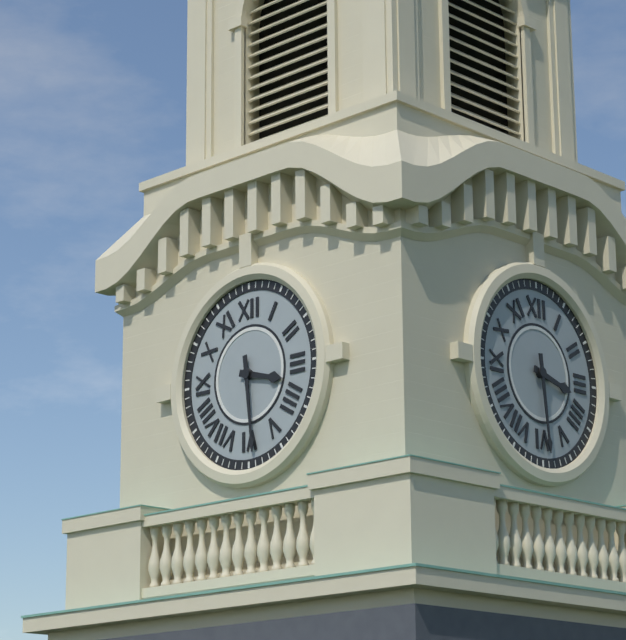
3:29
